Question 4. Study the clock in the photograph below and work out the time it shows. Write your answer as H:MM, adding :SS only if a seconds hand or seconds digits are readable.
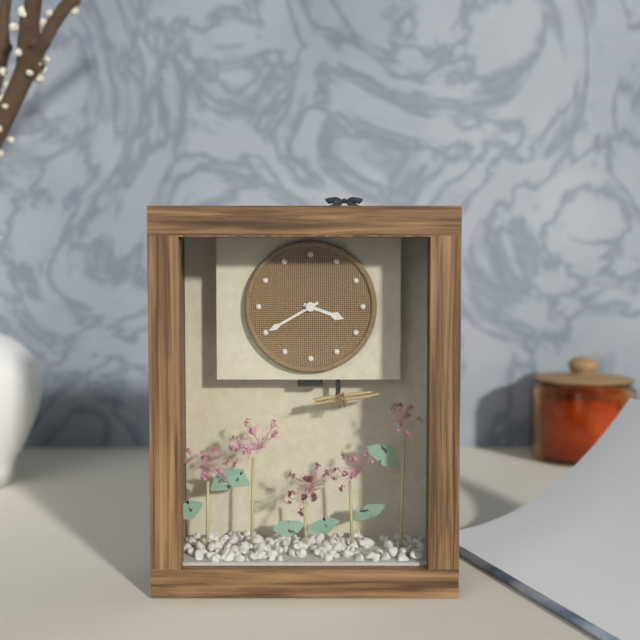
3:40
